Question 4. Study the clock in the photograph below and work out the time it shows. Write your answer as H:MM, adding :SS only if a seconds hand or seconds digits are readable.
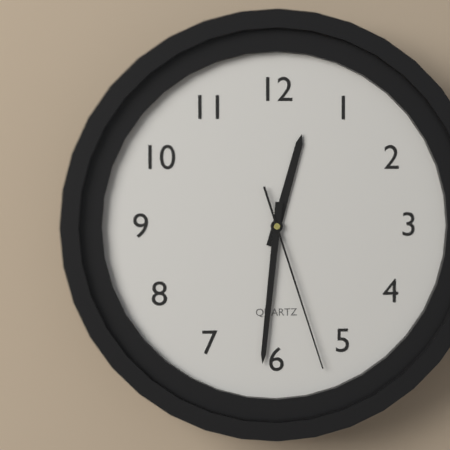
12:31:27
